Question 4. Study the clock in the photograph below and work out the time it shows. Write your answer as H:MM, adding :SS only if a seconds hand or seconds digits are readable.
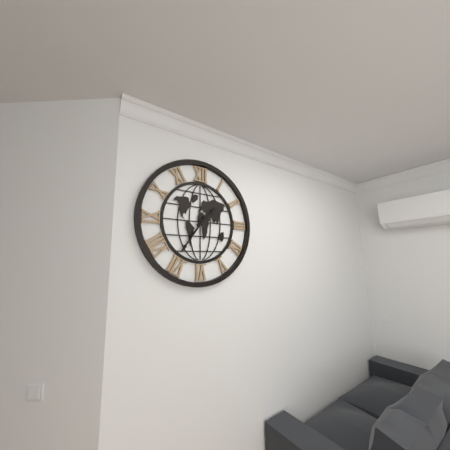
1:36
